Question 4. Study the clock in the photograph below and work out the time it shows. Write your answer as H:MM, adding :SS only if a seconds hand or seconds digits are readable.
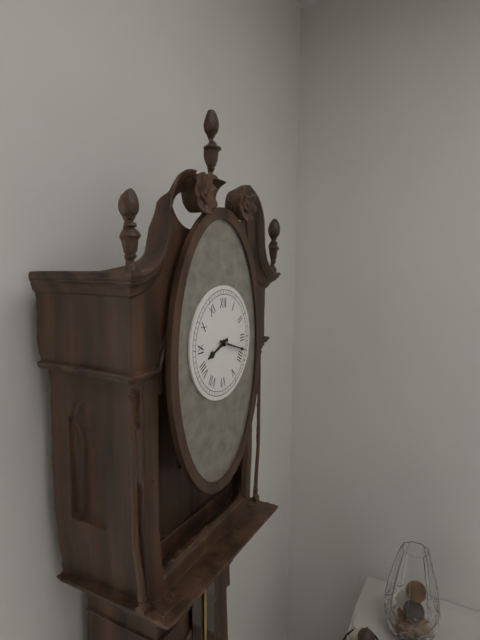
8:18
